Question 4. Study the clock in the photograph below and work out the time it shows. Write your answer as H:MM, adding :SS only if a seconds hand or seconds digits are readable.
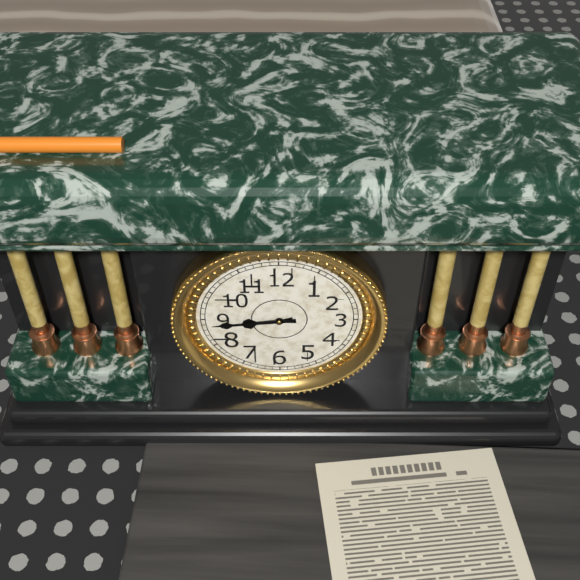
8:44
